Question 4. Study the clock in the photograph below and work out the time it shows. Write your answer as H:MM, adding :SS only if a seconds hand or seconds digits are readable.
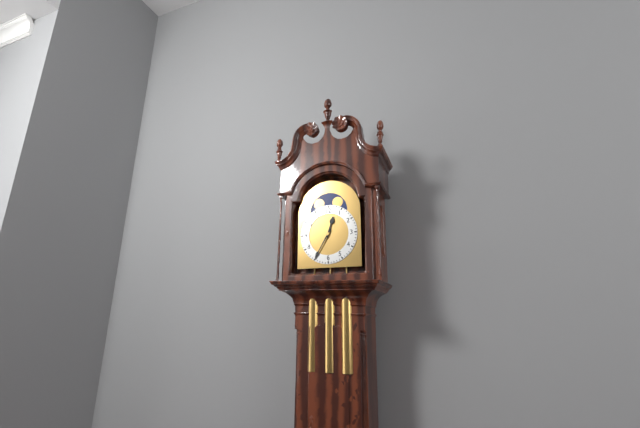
12:35
